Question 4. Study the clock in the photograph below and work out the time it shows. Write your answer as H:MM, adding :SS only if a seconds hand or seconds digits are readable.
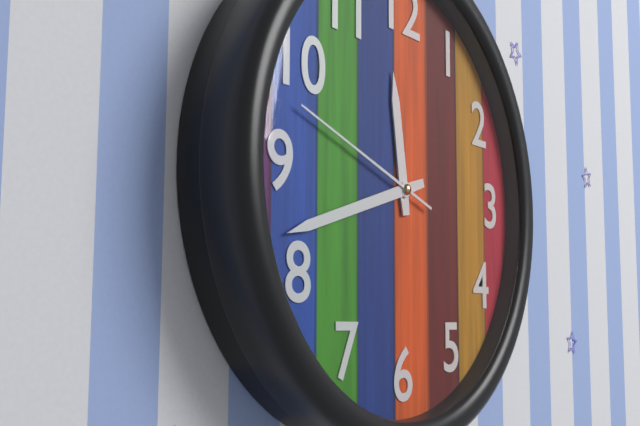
11:42:48
